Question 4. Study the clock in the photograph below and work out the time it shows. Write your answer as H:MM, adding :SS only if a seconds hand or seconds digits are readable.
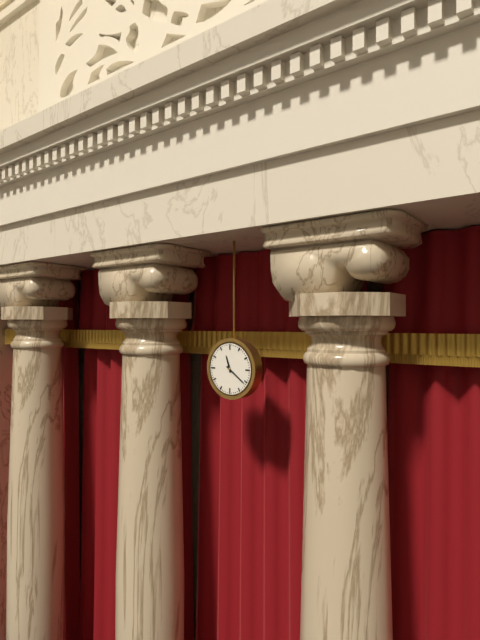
11:21
